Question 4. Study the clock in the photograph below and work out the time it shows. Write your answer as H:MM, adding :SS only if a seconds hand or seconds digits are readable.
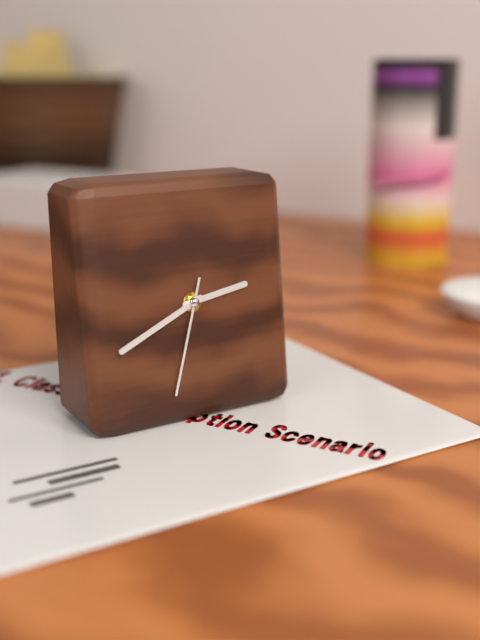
2:41:33
